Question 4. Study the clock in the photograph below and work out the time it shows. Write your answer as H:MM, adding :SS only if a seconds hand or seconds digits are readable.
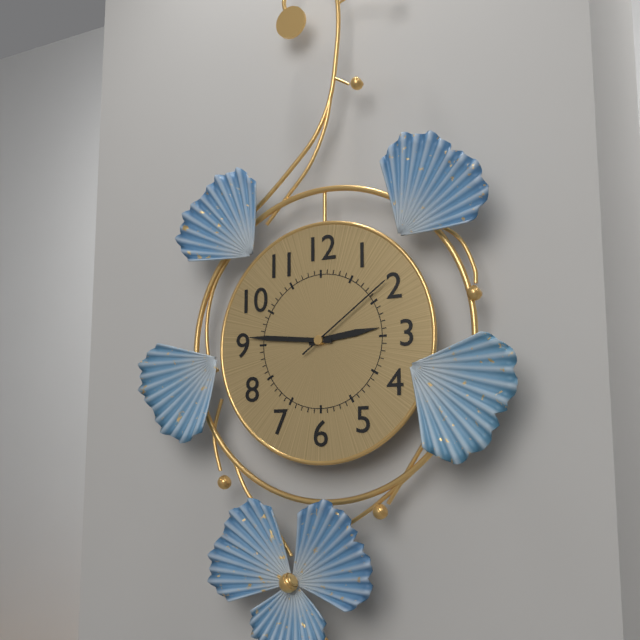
2:46:09
